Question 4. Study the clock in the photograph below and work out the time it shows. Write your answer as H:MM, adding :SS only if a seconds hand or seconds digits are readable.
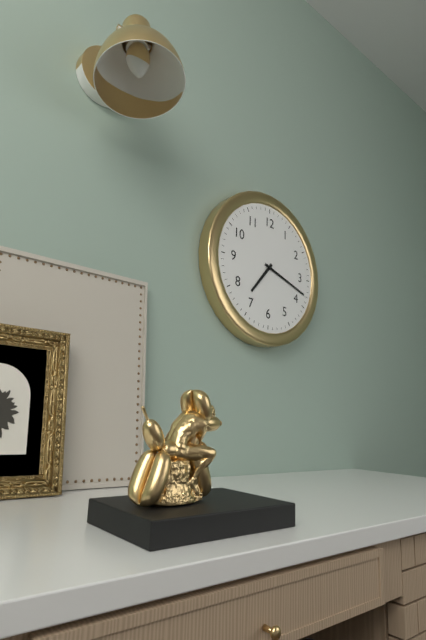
7:18
